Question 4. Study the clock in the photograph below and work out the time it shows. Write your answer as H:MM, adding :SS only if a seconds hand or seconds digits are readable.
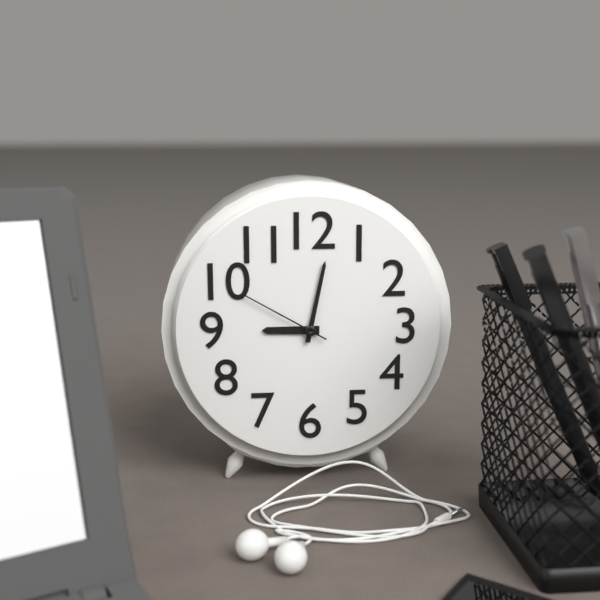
9:02:50
